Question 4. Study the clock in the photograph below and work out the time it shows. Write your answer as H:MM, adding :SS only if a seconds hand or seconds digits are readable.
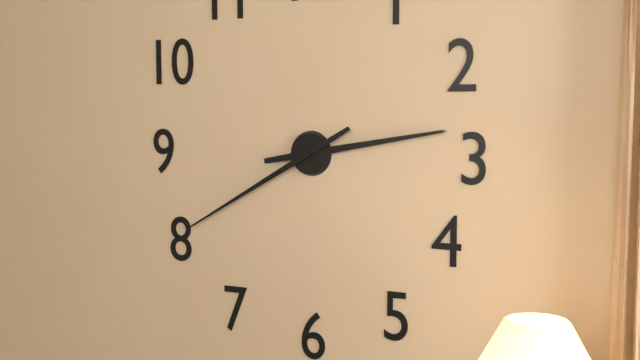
2:40
